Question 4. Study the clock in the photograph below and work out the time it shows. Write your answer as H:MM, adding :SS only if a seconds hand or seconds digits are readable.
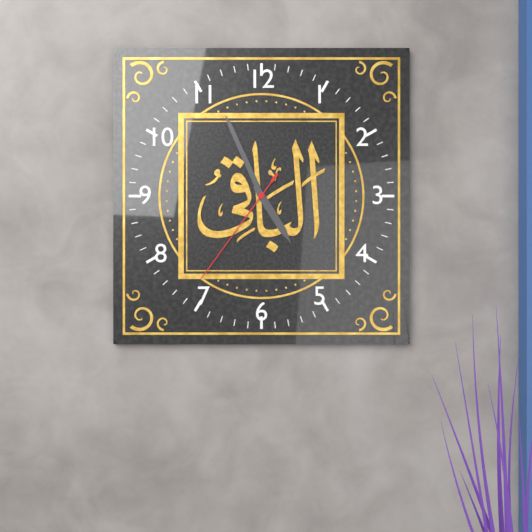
4:56:36
